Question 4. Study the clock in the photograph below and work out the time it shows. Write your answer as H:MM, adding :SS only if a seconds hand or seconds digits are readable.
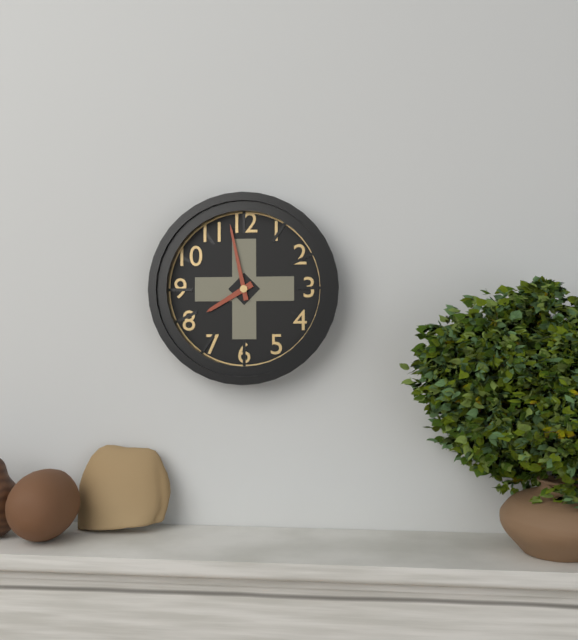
7:58
